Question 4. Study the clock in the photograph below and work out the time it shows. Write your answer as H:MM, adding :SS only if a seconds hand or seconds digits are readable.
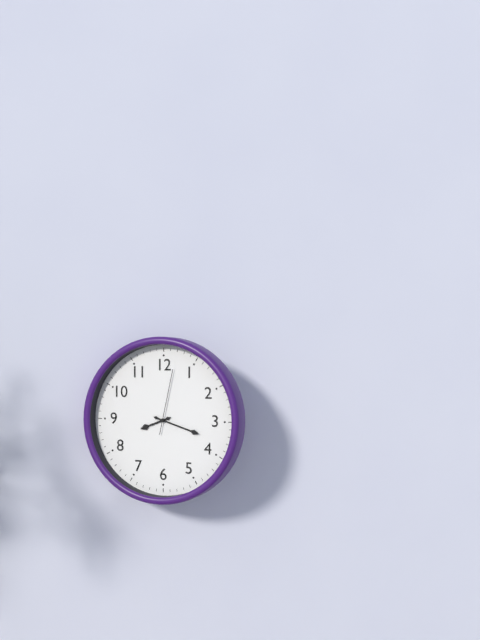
8:18:02
